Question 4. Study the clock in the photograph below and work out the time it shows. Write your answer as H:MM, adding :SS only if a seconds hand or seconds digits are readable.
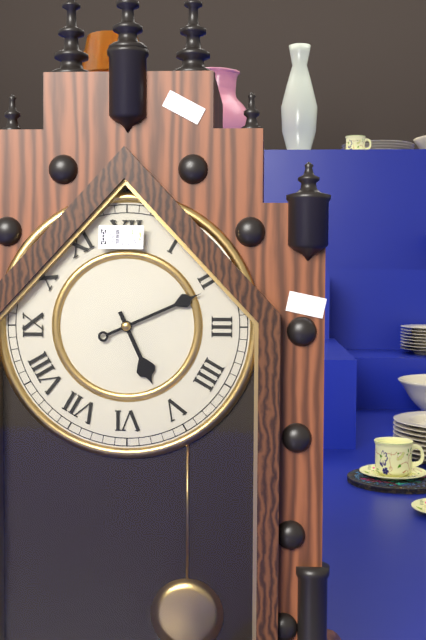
5:11
